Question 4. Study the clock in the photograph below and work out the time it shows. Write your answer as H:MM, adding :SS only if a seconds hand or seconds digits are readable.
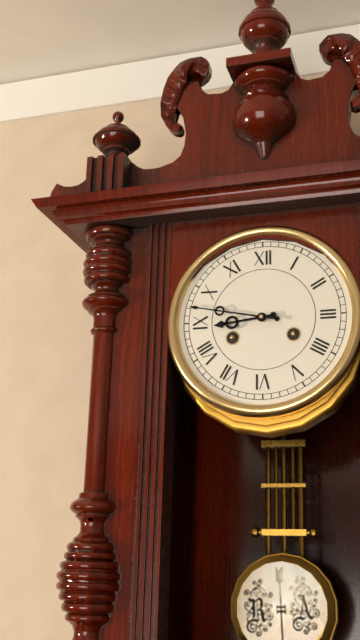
8:47
